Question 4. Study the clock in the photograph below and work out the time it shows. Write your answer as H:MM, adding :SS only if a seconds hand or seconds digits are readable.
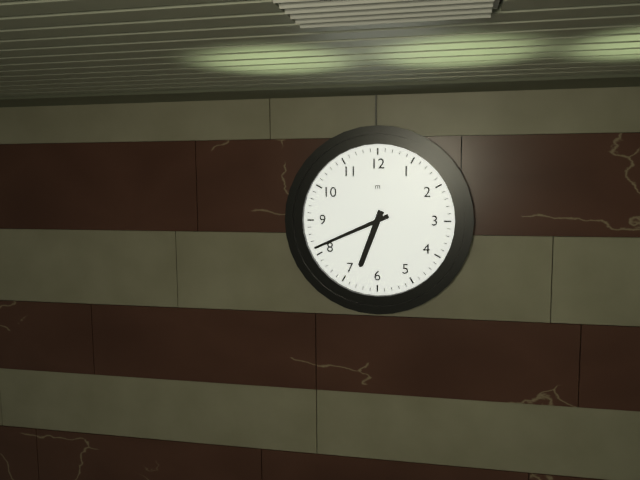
6:41
